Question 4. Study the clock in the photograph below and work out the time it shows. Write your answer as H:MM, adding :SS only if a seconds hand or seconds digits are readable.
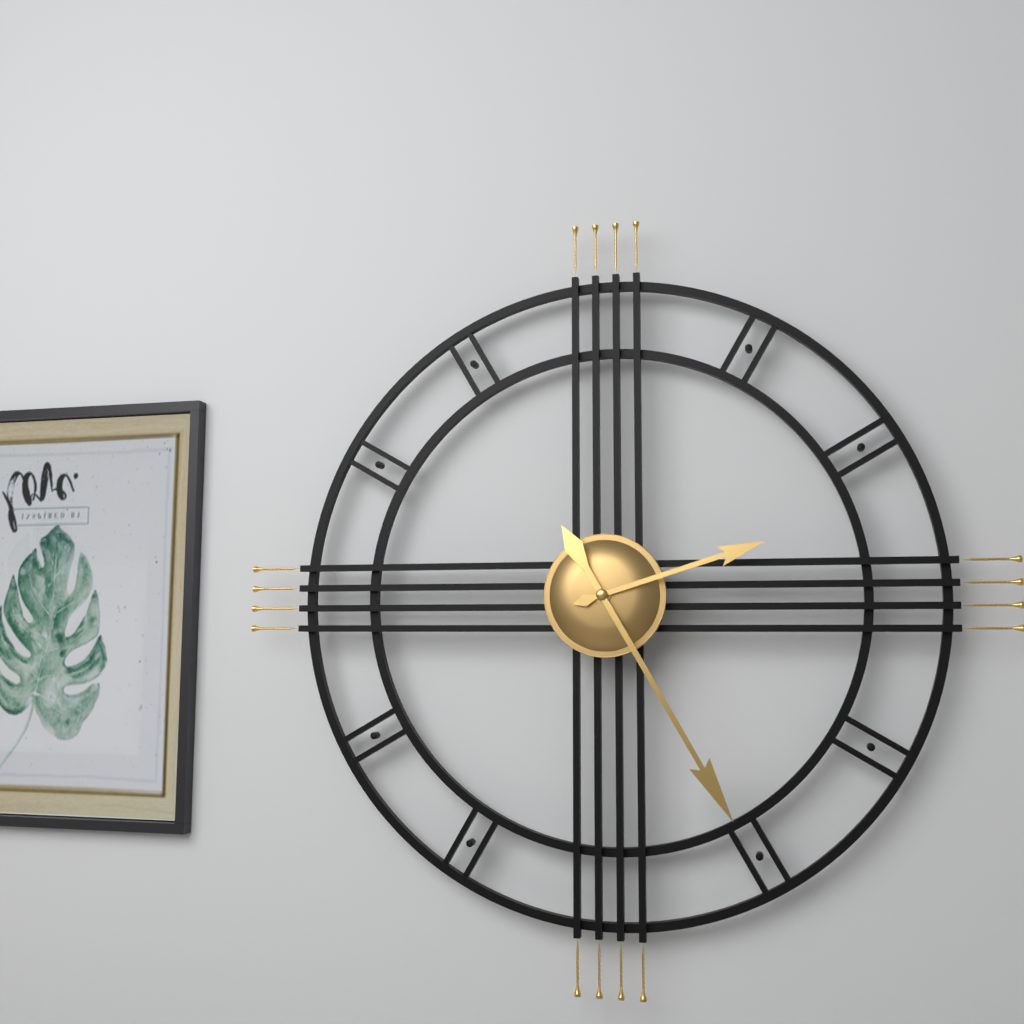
2:25
